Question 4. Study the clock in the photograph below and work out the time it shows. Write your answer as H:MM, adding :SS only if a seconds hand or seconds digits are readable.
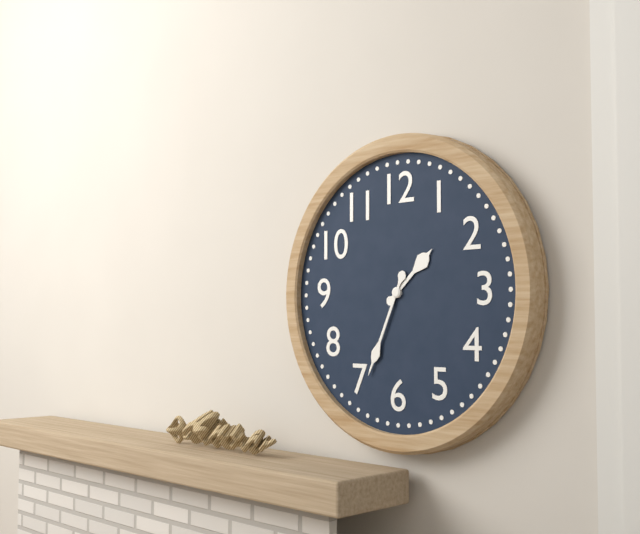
1:34
